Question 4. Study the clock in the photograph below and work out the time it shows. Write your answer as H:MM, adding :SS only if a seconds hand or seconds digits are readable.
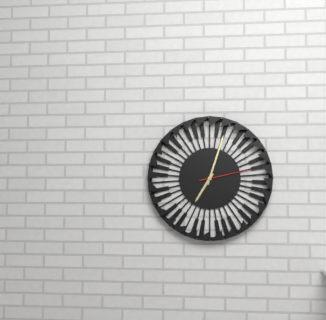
7:03:13
